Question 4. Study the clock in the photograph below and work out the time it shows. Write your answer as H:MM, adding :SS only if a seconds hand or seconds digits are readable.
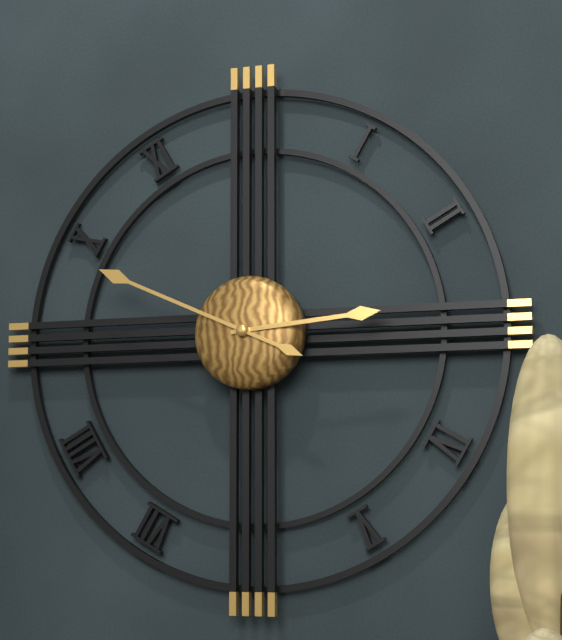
2:49
